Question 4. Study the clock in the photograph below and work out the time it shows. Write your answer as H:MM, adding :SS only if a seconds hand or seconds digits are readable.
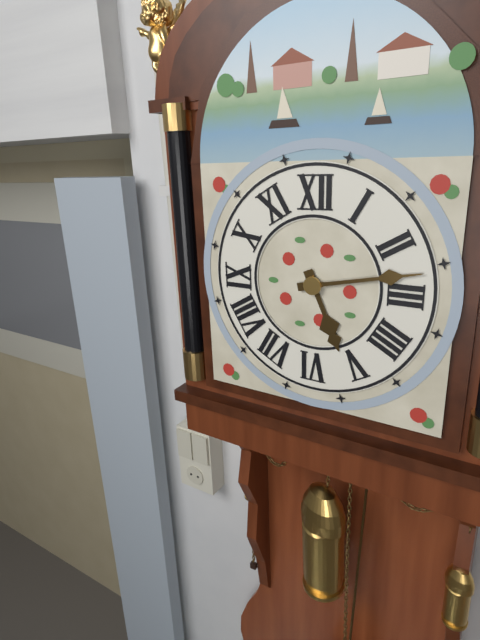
5:13
